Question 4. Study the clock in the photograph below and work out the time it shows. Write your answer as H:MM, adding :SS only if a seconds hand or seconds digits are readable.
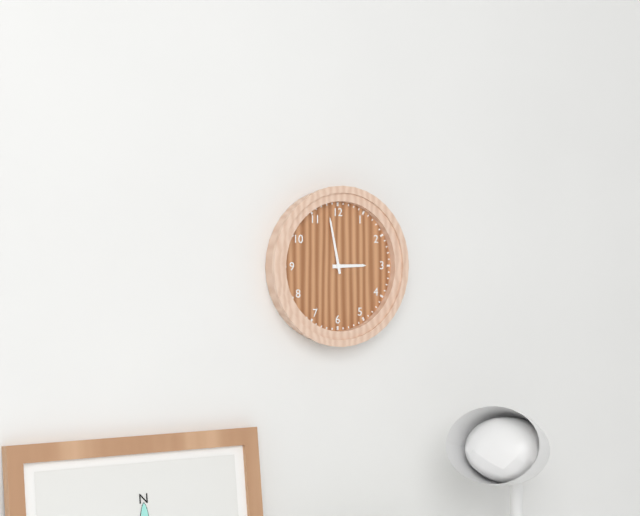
2:58
